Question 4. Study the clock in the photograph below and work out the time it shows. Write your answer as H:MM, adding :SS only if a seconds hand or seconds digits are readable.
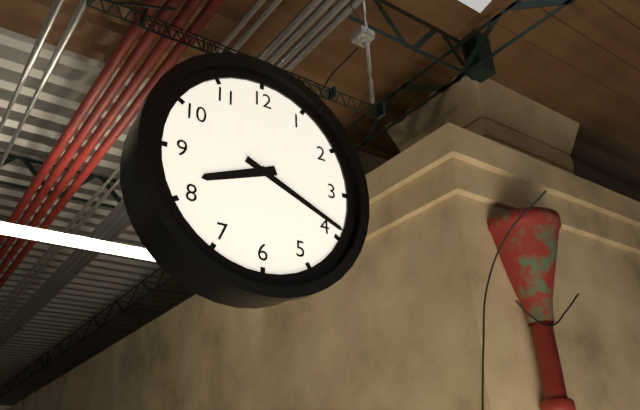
8:19
